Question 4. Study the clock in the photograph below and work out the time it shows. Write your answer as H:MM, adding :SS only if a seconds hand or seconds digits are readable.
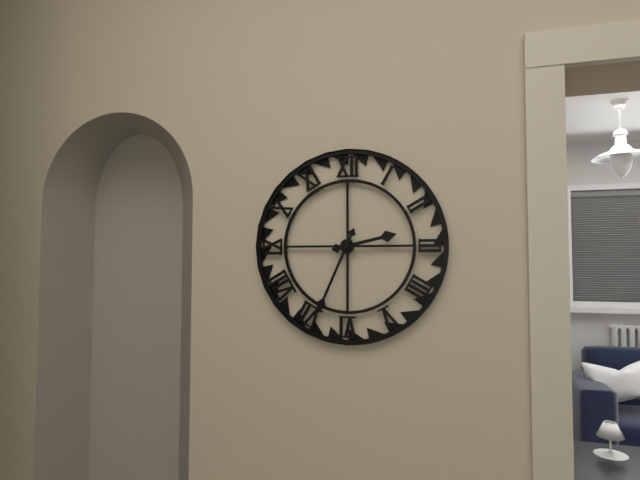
2:34
